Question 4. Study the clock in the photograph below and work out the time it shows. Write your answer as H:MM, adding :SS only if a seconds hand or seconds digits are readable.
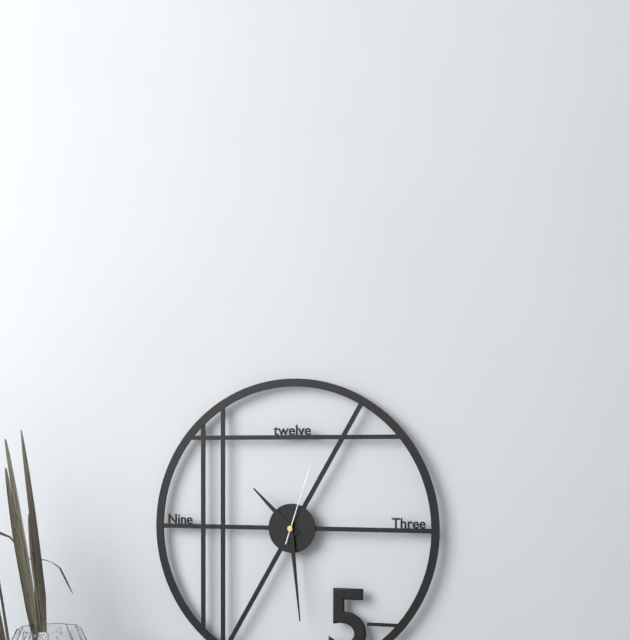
10:29:03
